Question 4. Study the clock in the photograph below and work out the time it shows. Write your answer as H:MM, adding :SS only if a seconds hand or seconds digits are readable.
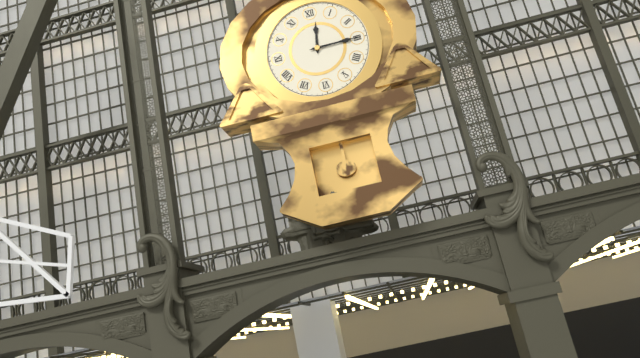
12:15
